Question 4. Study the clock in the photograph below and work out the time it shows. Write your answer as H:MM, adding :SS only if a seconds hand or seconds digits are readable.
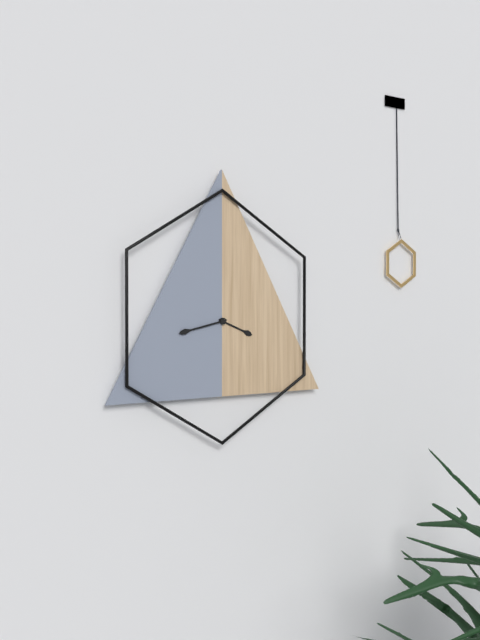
3:43
